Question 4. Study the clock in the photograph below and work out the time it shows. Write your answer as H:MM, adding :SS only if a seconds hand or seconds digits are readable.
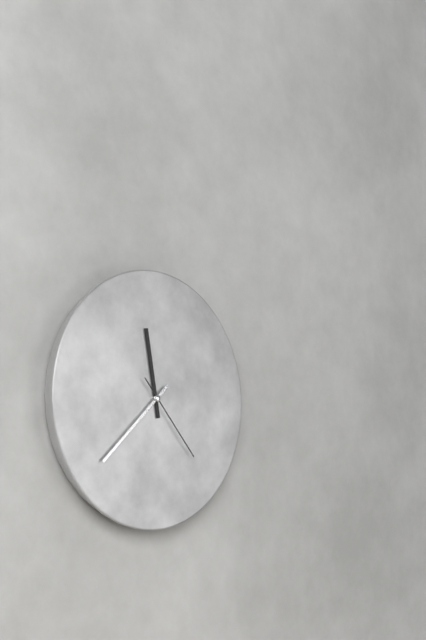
11:38:23
